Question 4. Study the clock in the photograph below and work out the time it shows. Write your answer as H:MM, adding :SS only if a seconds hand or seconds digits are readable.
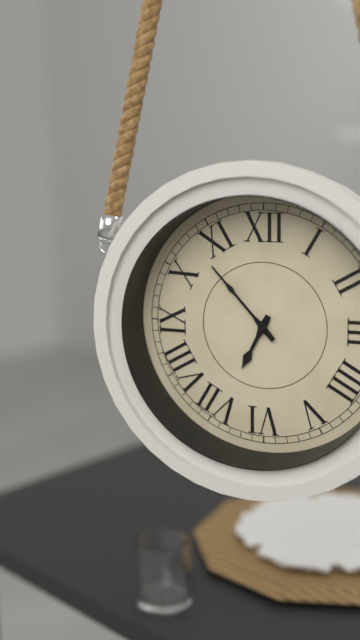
6:53
